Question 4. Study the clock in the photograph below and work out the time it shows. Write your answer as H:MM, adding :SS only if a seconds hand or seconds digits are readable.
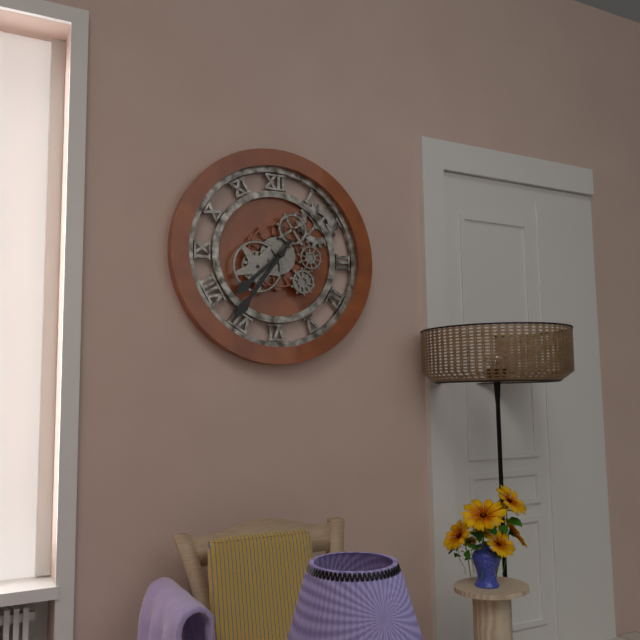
7:36
